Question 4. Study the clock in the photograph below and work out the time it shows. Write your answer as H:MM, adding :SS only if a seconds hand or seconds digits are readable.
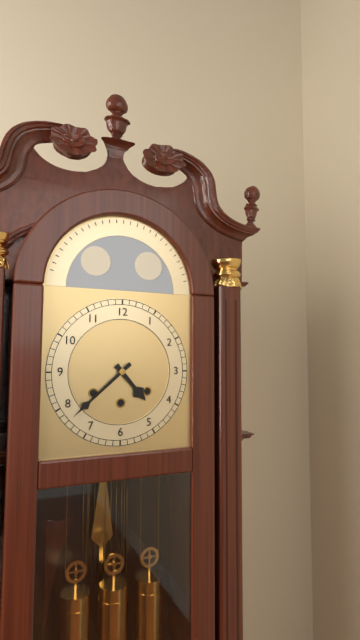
4:38
